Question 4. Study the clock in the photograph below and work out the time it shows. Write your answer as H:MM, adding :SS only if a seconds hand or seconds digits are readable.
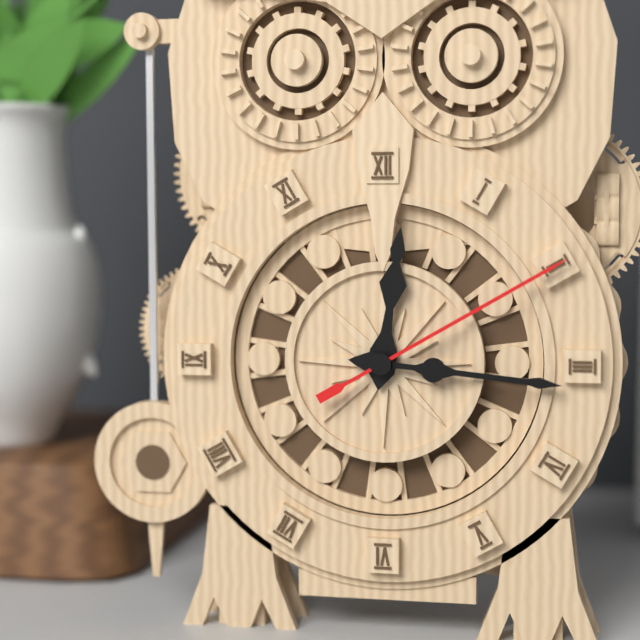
12:16:10
